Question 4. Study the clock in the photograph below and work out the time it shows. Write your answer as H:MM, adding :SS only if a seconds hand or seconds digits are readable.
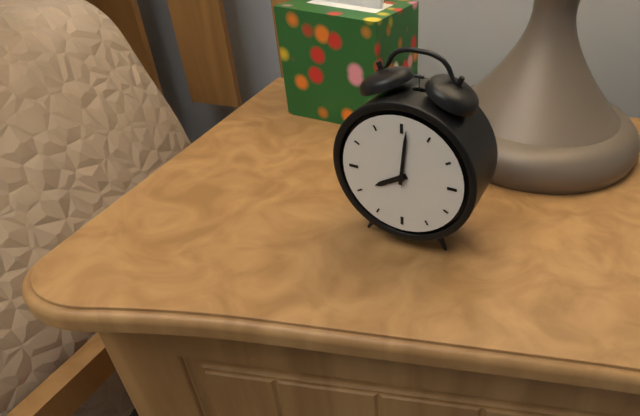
8:01
